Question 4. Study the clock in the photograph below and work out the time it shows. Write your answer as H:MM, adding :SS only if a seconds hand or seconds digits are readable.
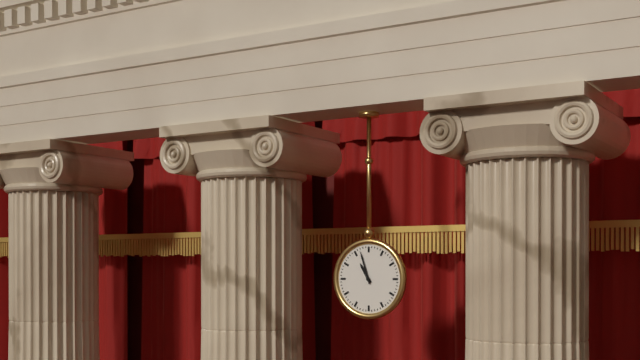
10:57
